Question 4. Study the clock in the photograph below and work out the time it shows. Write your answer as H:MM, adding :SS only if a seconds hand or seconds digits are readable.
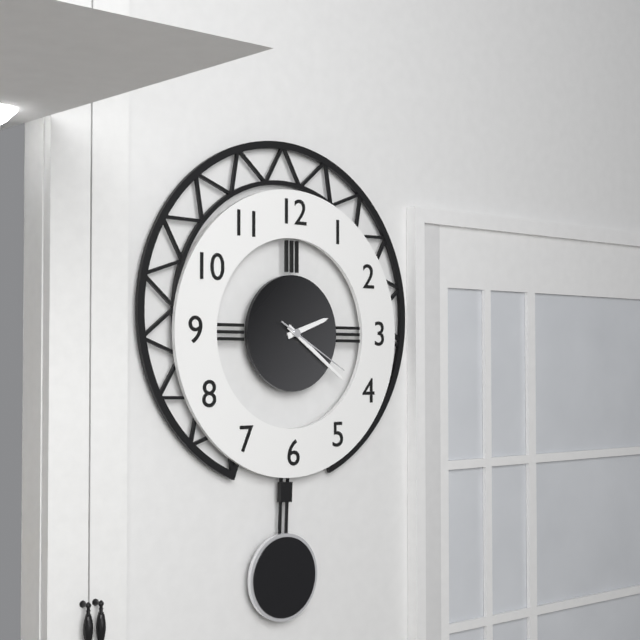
2:21:20
